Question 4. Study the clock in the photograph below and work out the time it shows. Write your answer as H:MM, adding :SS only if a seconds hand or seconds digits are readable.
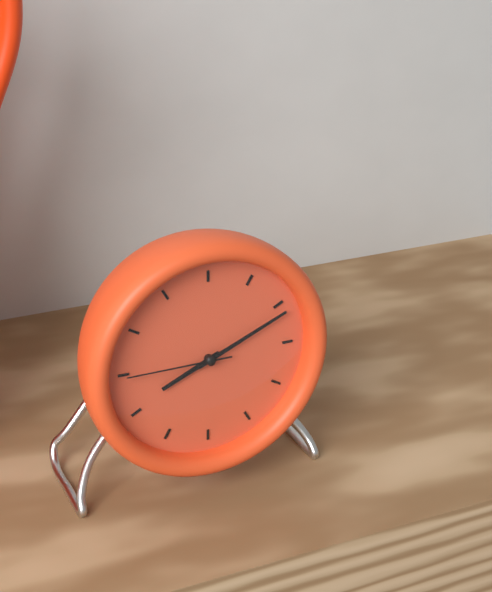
8:11:45
